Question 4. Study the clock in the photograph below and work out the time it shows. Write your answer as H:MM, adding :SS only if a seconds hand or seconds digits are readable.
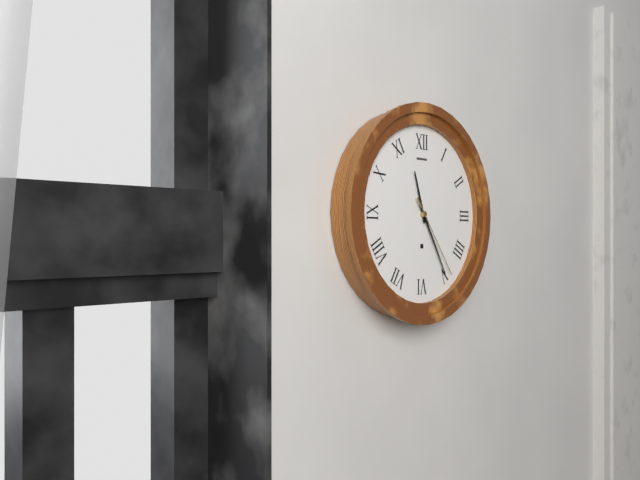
11:25:24
